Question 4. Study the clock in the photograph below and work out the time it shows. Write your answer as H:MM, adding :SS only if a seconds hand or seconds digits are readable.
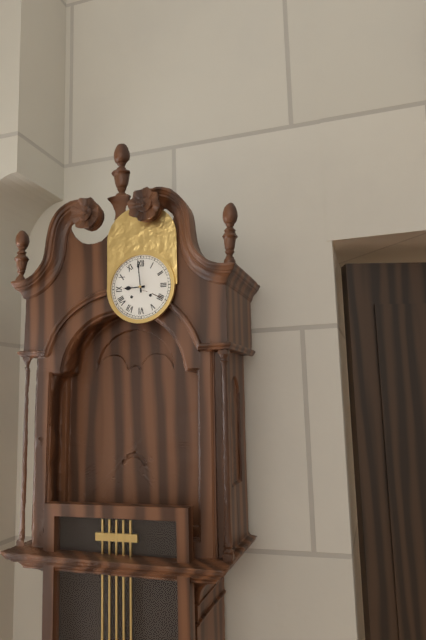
8:59
